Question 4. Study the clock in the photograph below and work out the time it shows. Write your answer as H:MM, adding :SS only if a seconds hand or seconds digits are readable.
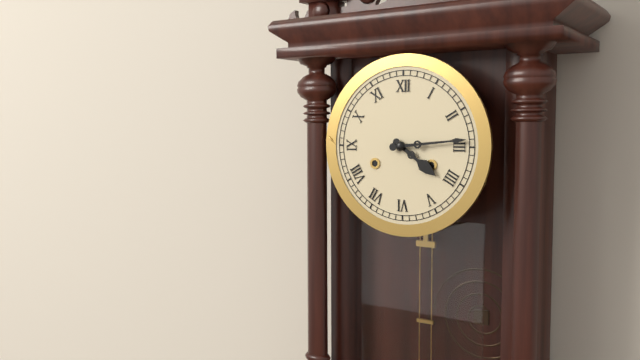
4:14
